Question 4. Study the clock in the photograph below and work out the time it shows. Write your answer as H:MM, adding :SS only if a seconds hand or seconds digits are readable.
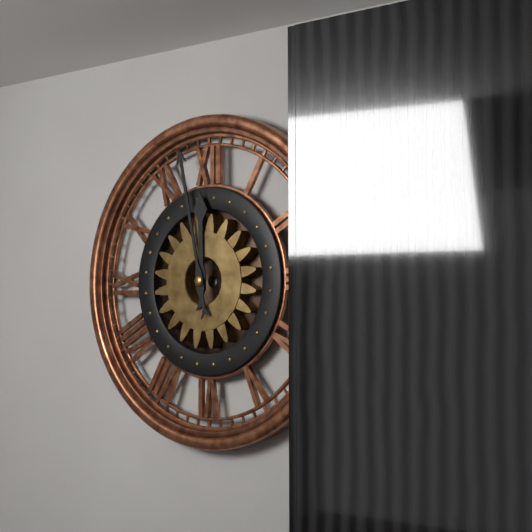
11:58
